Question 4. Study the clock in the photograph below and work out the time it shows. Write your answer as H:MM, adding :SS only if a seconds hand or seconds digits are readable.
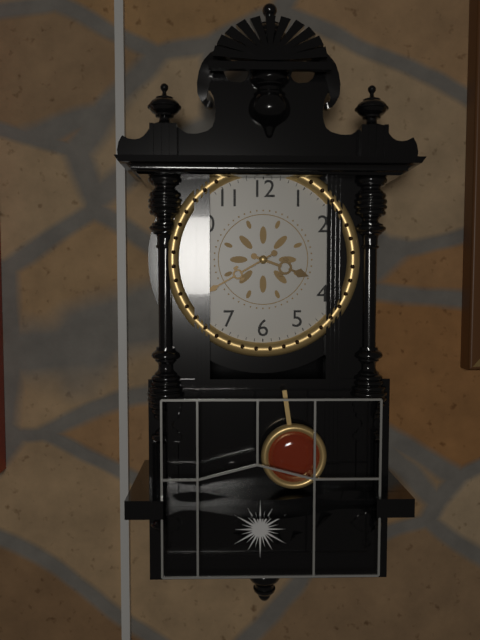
3:40
